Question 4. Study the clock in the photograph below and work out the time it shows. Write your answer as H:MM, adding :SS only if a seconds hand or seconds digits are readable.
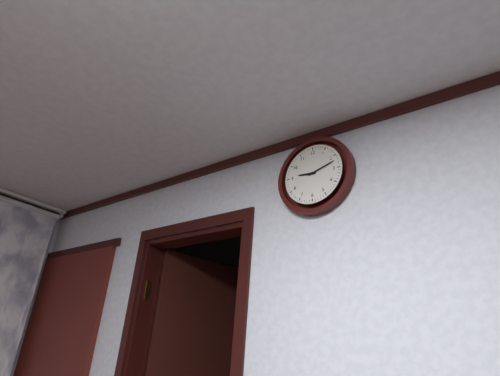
9:12
